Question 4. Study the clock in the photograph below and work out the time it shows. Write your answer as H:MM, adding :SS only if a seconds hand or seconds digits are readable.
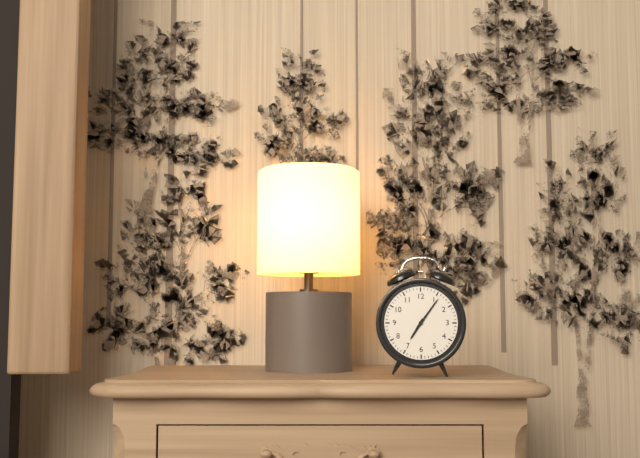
7:06
